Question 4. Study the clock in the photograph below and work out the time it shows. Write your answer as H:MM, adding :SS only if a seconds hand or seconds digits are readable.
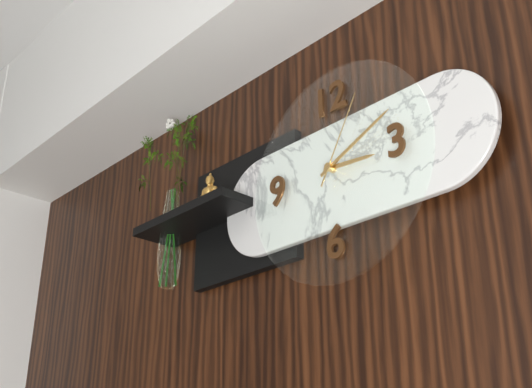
3:11:05
